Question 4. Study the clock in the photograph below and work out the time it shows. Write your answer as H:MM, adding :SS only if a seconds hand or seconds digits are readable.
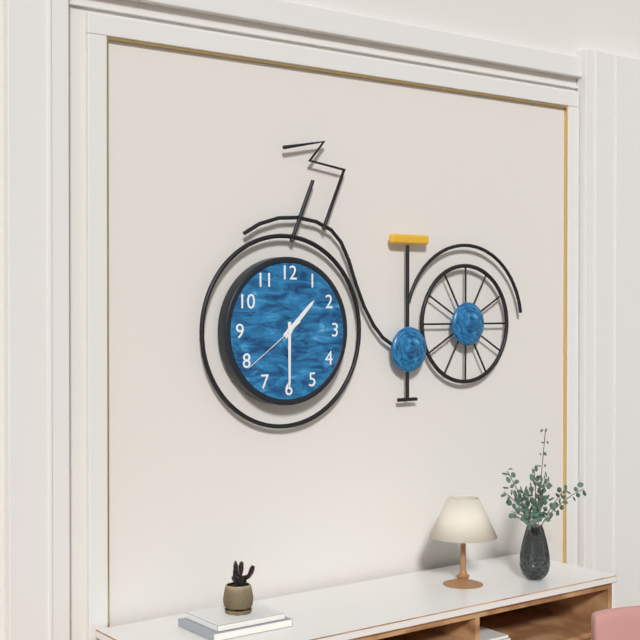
1:30:39
